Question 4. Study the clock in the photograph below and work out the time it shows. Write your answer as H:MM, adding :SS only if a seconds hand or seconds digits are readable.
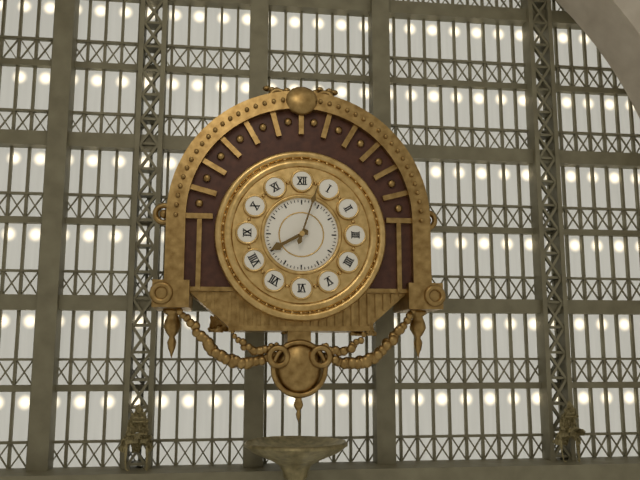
8:03
